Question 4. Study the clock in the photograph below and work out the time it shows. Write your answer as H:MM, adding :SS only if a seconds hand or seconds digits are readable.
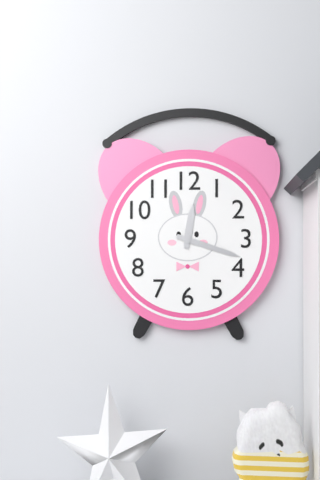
12:18
